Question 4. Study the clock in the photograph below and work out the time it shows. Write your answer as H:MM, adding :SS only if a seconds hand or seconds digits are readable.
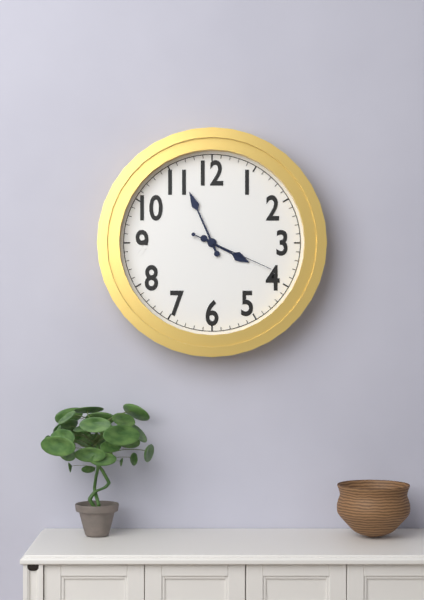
3:56:19
